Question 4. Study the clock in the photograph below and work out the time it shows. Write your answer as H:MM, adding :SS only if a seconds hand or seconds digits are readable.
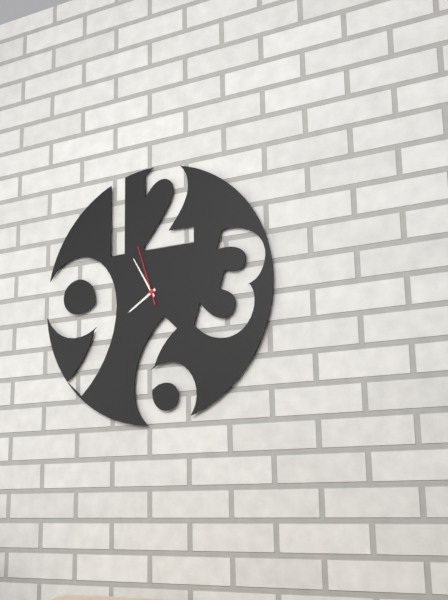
7:55:57
